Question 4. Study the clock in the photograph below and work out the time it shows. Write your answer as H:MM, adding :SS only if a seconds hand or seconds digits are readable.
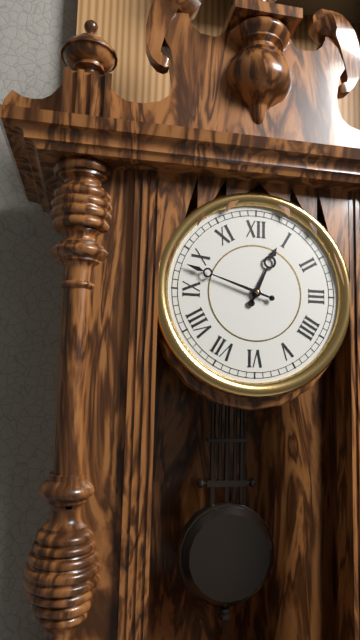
12:48
